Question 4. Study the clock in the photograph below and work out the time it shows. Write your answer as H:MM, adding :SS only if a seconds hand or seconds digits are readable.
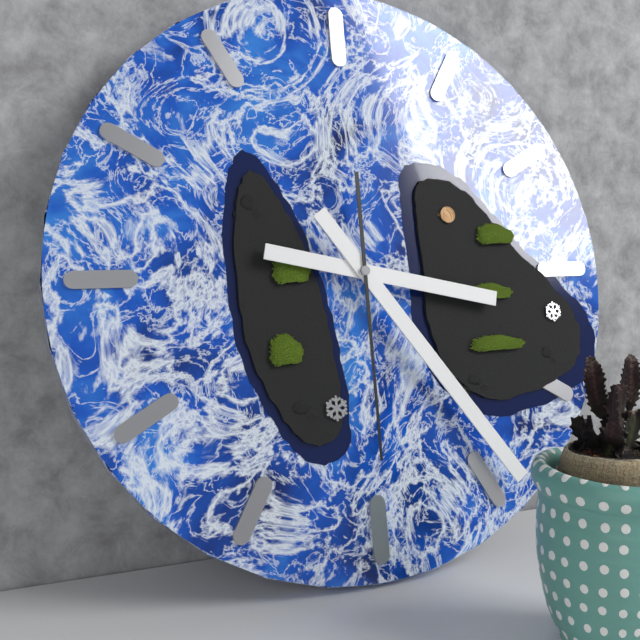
3:24:30
